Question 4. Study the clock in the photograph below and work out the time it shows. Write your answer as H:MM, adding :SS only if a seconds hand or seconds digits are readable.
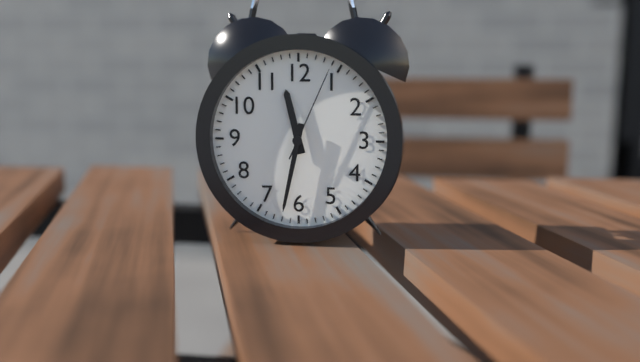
11:32:04
